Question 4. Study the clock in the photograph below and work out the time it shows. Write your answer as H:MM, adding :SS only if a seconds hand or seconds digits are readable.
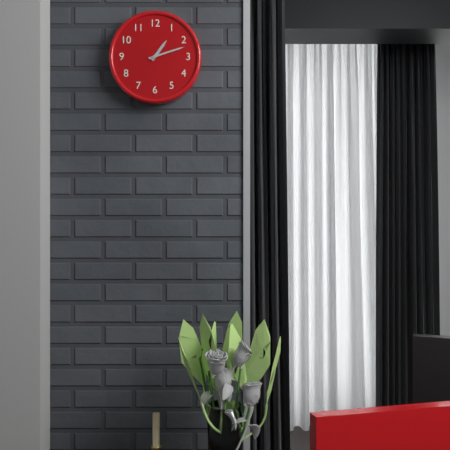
1:12
